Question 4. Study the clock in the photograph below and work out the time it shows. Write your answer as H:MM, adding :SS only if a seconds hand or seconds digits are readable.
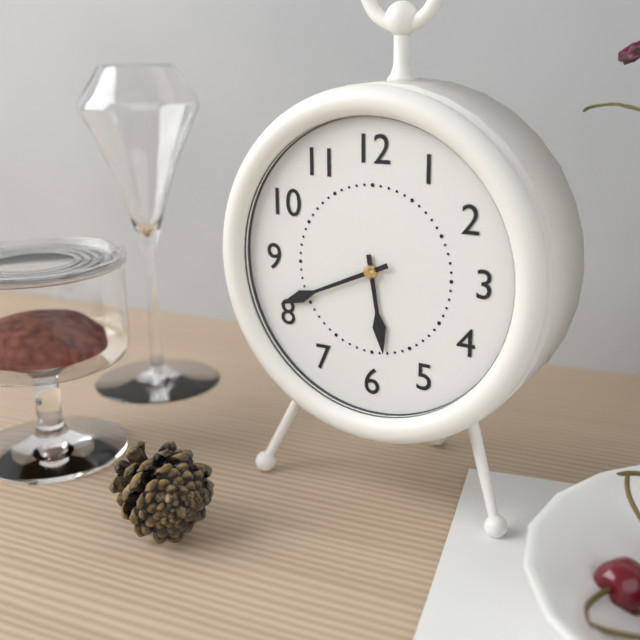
5:41
